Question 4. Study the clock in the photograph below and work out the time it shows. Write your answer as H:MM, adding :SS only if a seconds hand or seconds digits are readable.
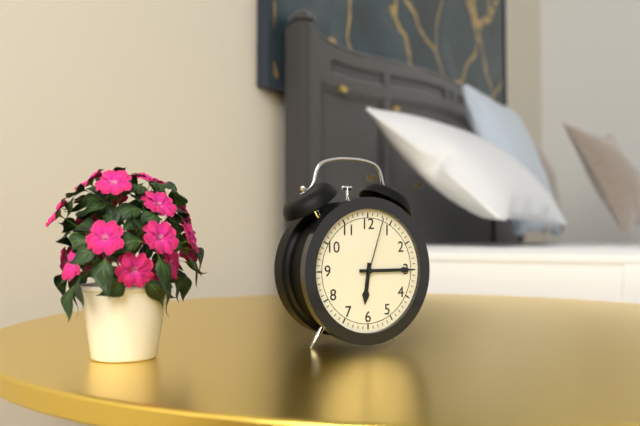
6:15:03
